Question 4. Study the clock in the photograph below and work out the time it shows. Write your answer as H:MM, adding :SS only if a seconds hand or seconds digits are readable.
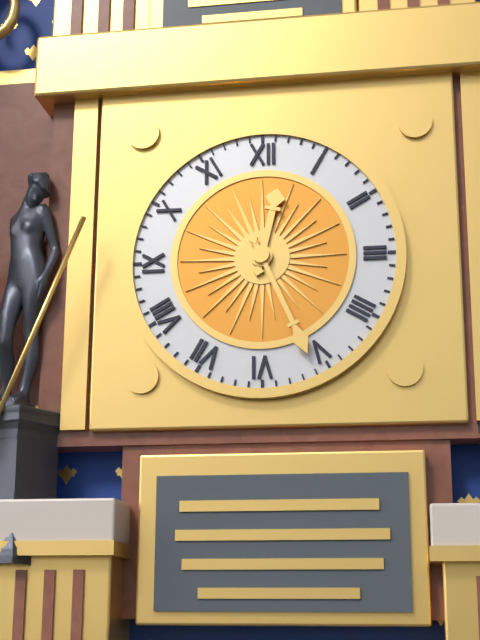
12:26
